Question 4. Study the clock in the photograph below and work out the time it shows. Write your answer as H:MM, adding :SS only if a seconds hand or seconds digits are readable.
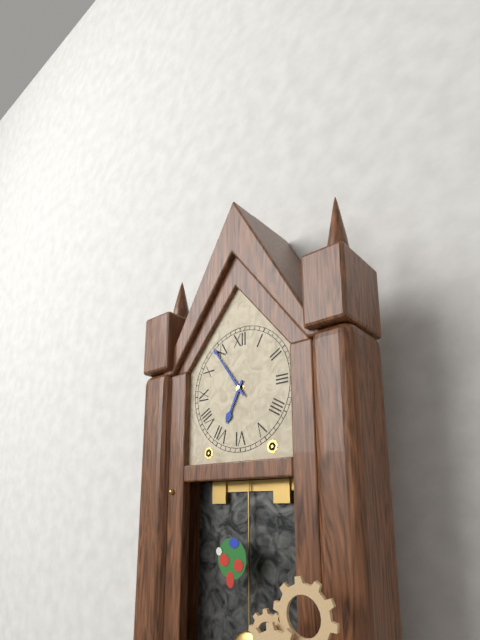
6:54
